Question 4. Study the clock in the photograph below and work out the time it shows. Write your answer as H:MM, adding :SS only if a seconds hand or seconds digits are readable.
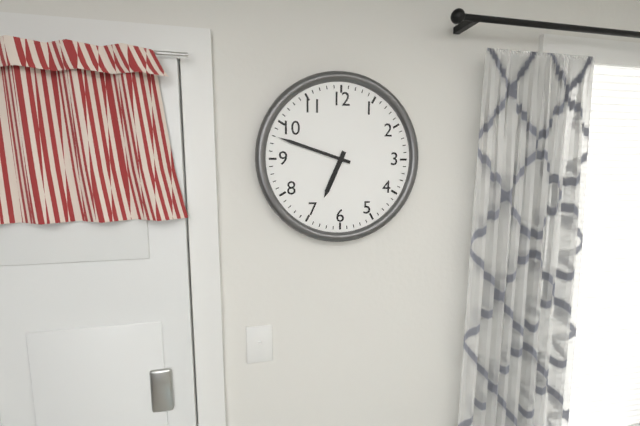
6:48
